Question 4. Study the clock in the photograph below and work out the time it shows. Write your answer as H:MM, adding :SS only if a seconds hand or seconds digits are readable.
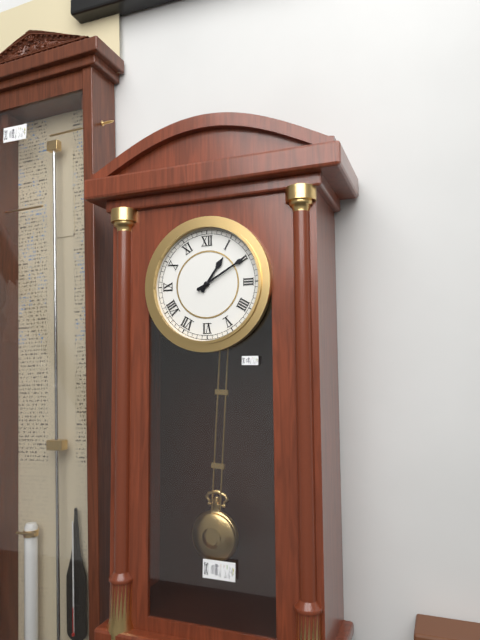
1:10
